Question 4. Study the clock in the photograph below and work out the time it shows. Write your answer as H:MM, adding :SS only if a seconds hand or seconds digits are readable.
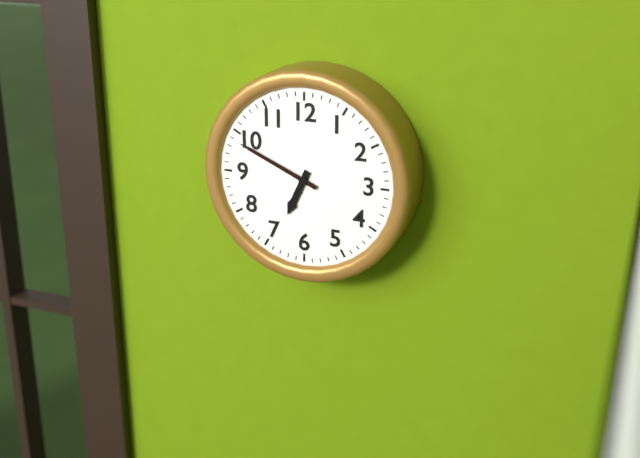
6:49
